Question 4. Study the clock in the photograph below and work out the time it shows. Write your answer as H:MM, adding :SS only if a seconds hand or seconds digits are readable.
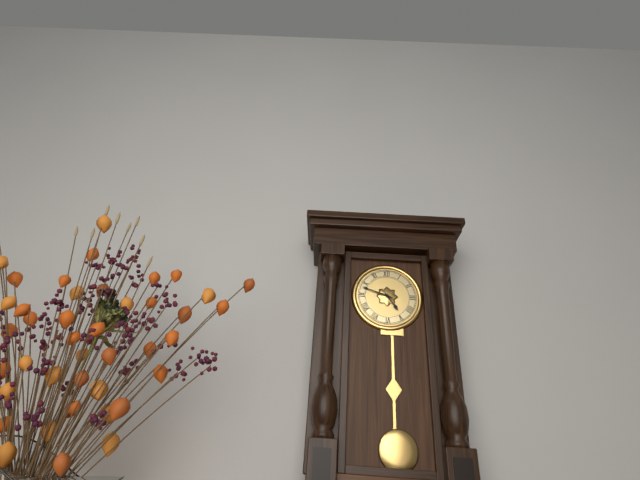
4:48
